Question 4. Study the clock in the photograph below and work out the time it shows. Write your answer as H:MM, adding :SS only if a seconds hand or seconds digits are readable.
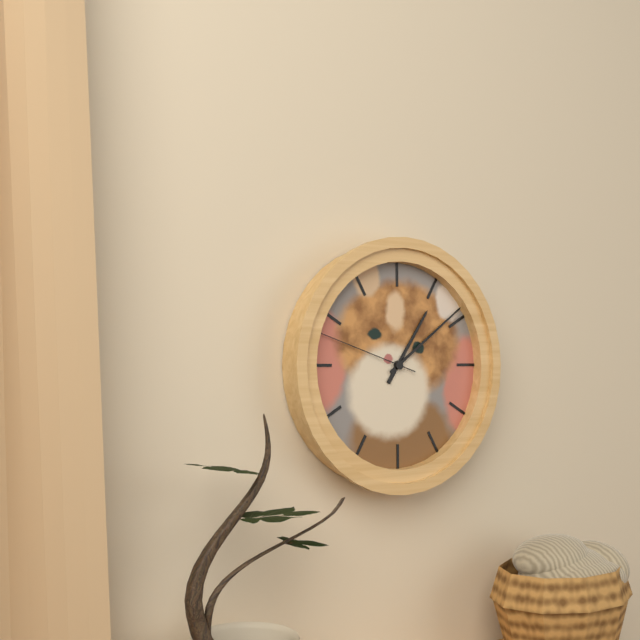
1:09:48
